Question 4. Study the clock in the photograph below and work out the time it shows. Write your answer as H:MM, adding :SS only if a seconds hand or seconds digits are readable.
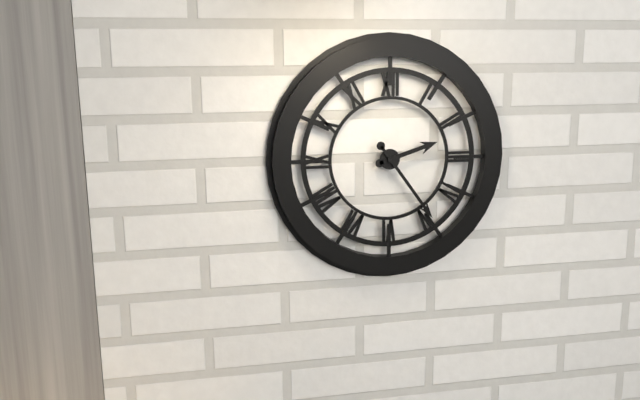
2:24
